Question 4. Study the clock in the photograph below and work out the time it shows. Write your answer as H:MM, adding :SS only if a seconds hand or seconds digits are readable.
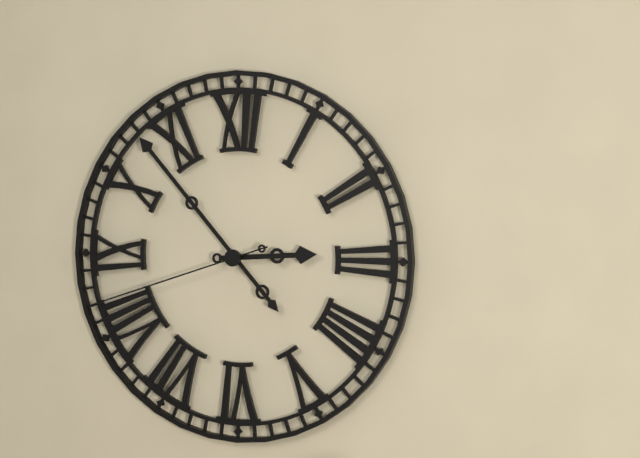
2:53:42
